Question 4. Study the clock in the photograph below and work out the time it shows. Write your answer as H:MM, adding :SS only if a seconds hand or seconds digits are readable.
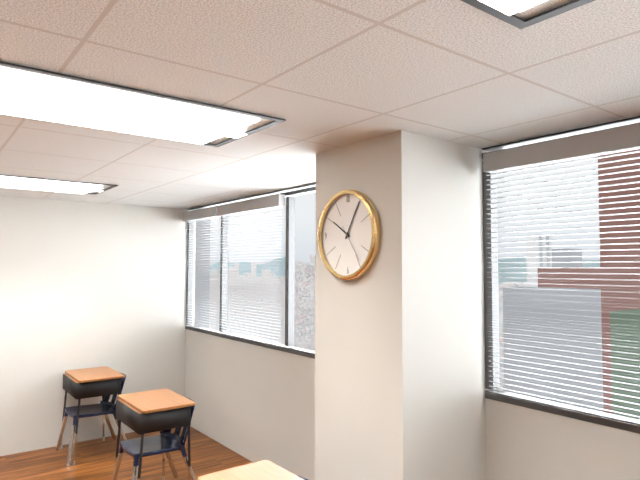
10:05
